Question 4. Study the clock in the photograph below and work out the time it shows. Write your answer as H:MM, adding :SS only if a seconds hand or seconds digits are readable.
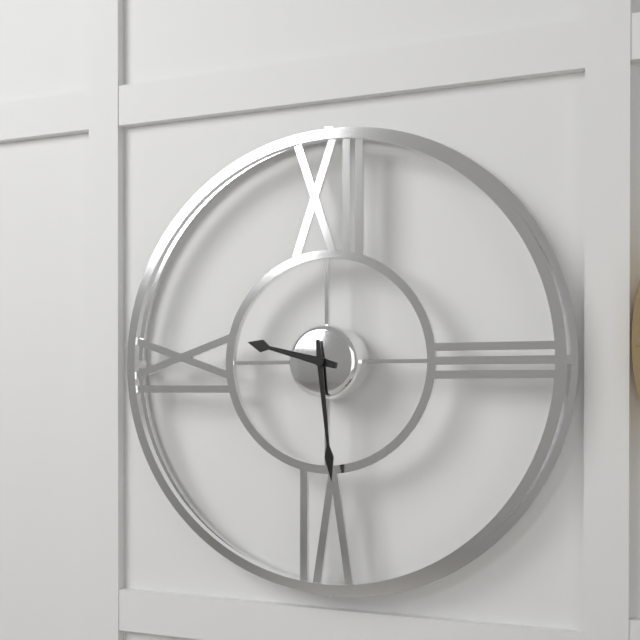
9:29
